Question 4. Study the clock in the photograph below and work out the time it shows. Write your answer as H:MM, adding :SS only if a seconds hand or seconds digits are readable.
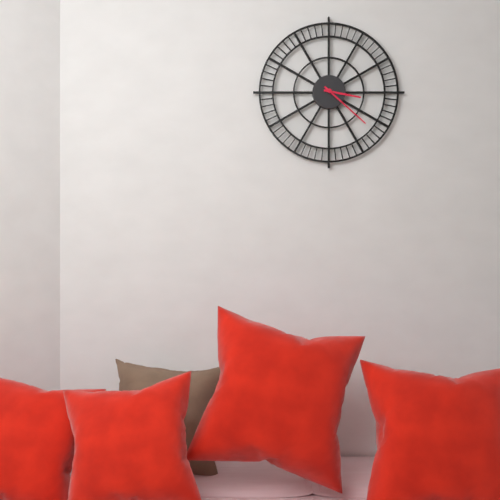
3:22
